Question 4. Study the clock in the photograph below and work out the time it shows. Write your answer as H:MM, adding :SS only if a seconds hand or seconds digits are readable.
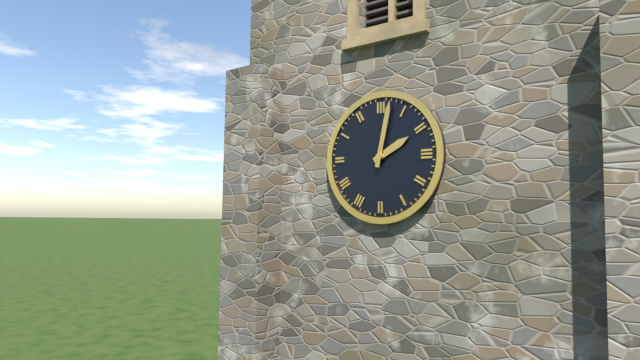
2:02
